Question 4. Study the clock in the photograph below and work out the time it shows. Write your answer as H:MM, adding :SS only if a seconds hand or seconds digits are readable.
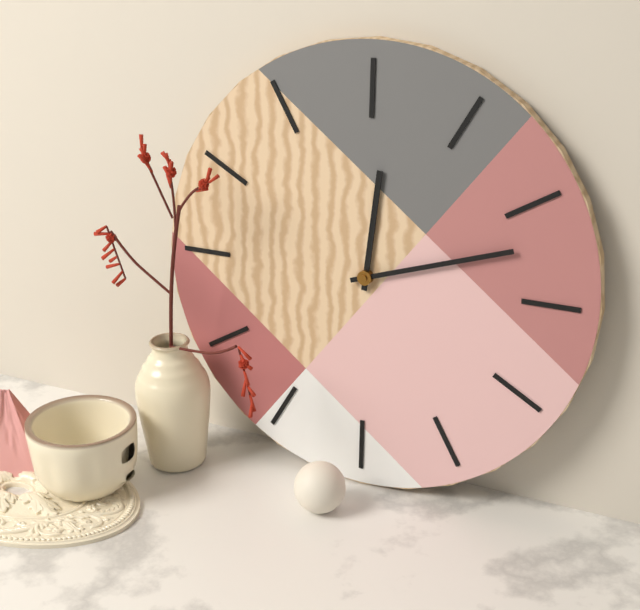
12:12
